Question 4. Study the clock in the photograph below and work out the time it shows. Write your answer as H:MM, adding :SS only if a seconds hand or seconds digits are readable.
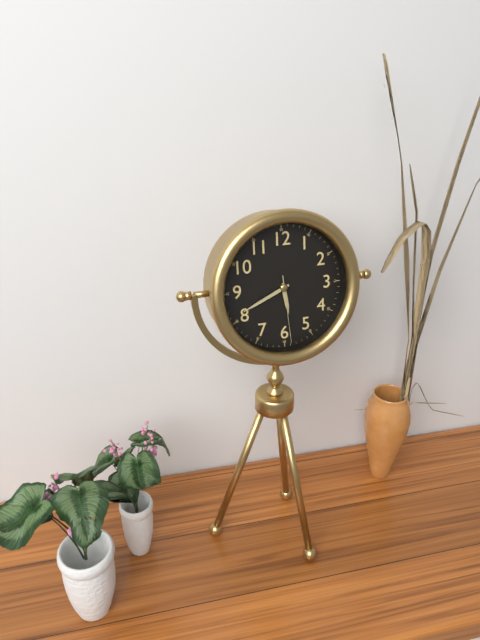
5:41:29
